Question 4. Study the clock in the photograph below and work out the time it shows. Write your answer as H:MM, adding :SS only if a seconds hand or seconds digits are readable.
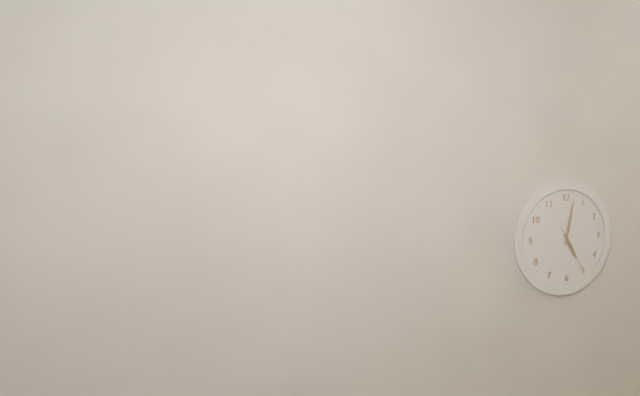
5:02
